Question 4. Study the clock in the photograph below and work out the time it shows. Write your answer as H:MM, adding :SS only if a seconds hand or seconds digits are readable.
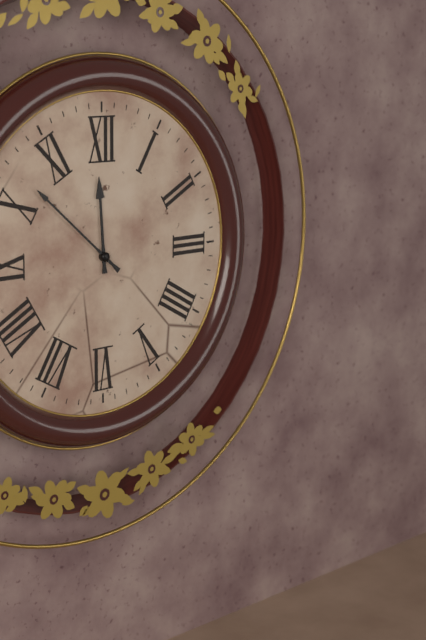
11:52
